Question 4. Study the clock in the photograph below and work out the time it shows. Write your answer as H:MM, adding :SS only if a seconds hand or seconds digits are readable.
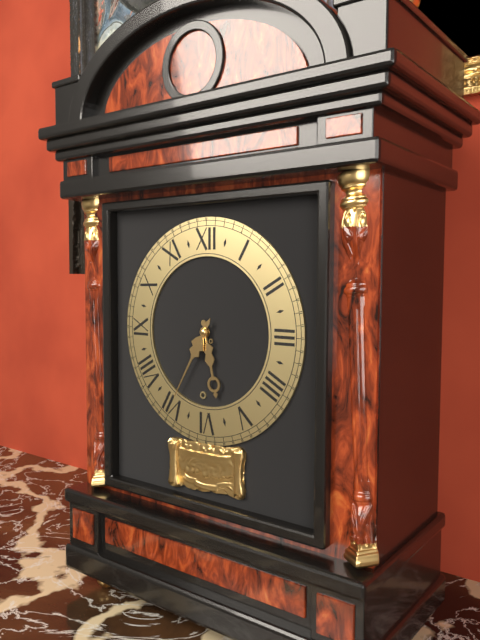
5:35
